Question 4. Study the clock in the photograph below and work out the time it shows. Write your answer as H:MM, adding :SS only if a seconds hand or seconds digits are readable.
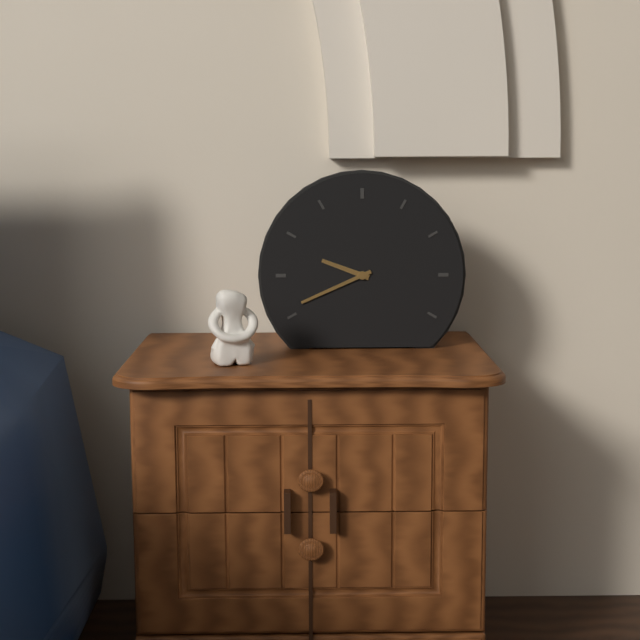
9:41
